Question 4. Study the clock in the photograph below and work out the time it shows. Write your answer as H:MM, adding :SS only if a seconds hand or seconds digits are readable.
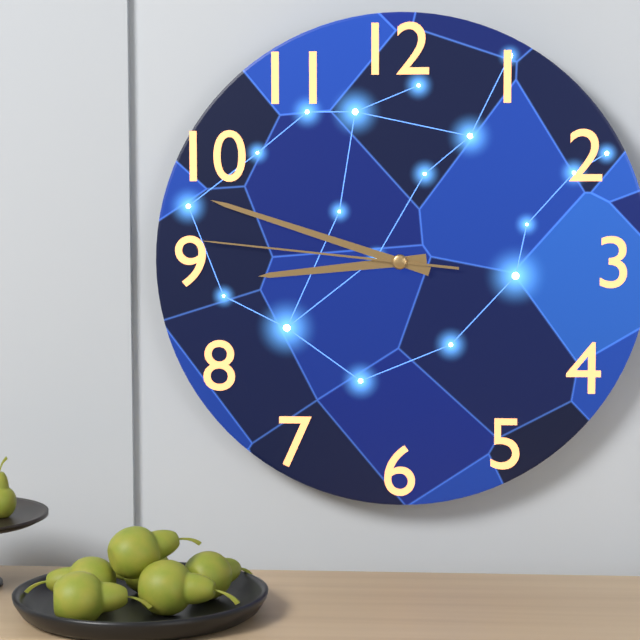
8:48:46
